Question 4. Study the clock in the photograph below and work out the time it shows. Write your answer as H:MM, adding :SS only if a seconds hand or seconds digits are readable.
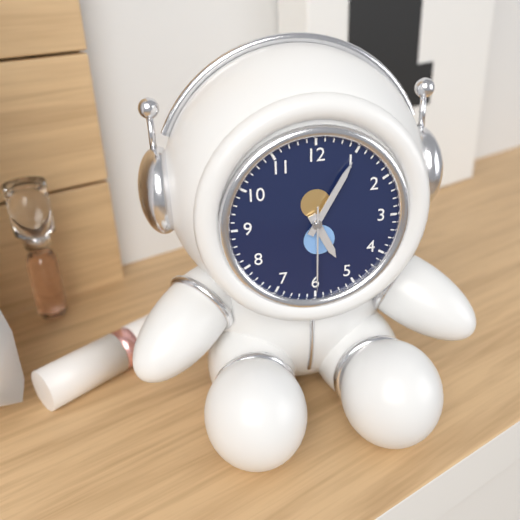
5:05:30
